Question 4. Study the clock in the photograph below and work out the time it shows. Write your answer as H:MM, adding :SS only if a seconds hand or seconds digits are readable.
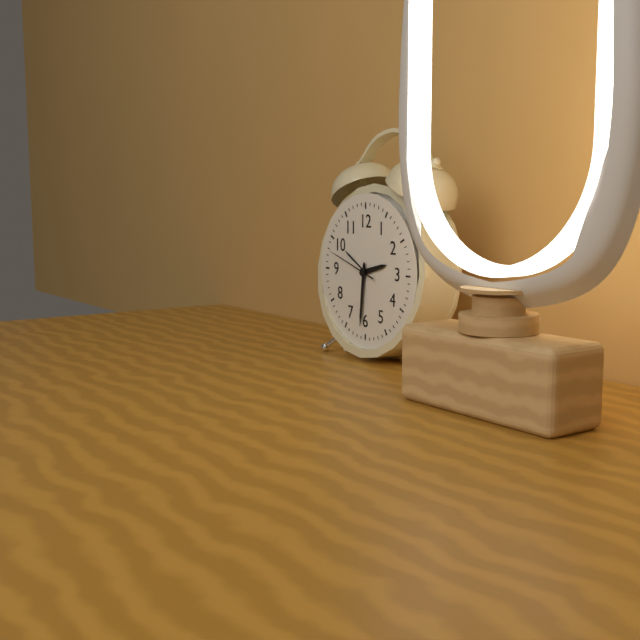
2:31:48
